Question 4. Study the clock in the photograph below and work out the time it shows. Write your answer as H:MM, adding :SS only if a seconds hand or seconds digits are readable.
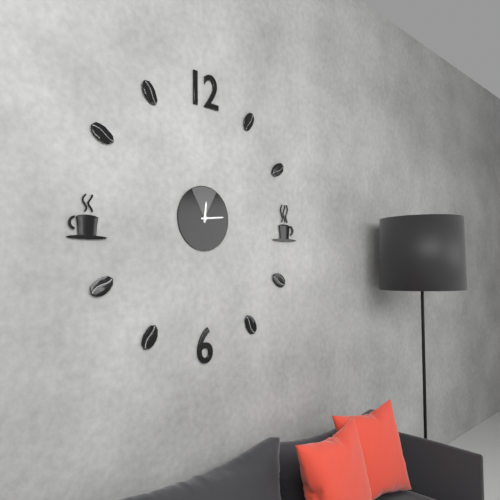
12:14
